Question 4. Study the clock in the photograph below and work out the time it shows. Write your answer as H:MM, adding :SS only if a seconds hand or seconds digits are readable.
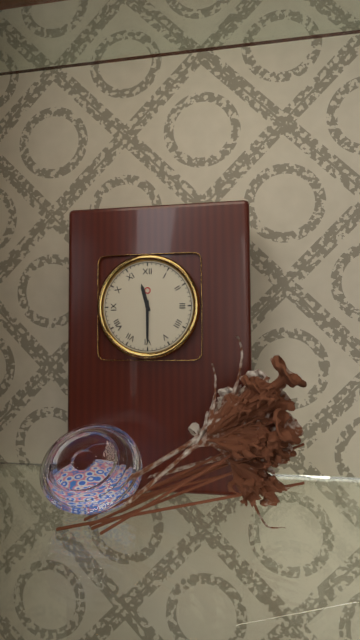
11:30
